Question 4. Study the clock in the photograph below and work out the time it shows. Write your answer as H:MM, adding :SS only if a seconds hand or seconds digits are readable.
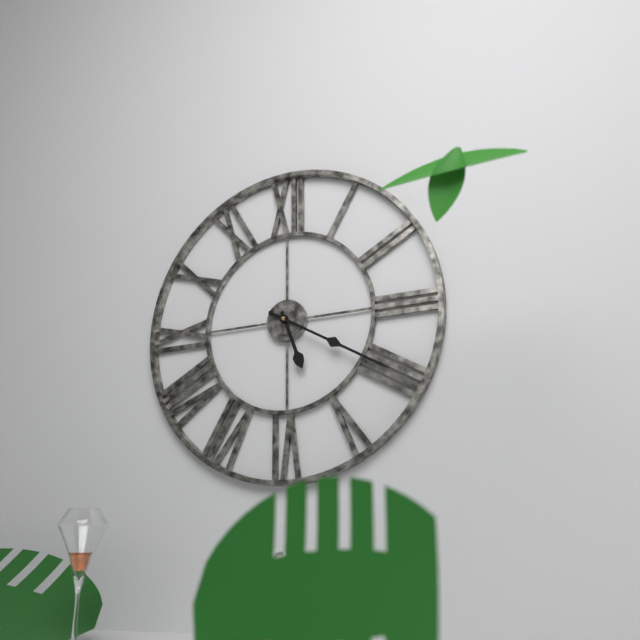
5:20
